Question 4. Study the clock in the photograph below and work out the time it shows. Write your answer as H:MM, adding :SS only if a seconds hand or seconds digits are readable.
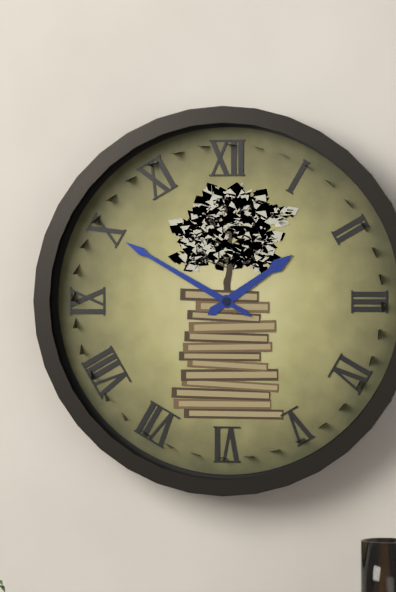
1:50
